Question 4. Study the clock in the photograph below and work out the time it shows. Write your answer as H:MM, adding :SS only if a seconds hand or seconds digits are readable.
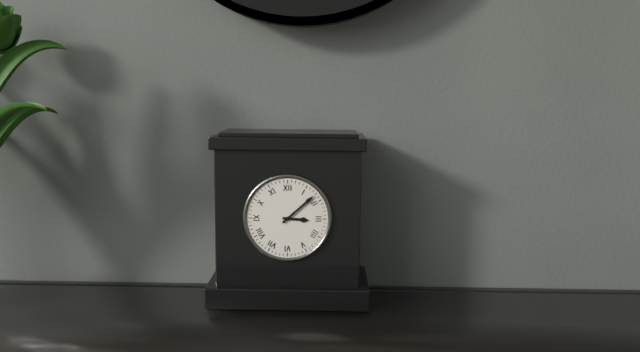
3:08
